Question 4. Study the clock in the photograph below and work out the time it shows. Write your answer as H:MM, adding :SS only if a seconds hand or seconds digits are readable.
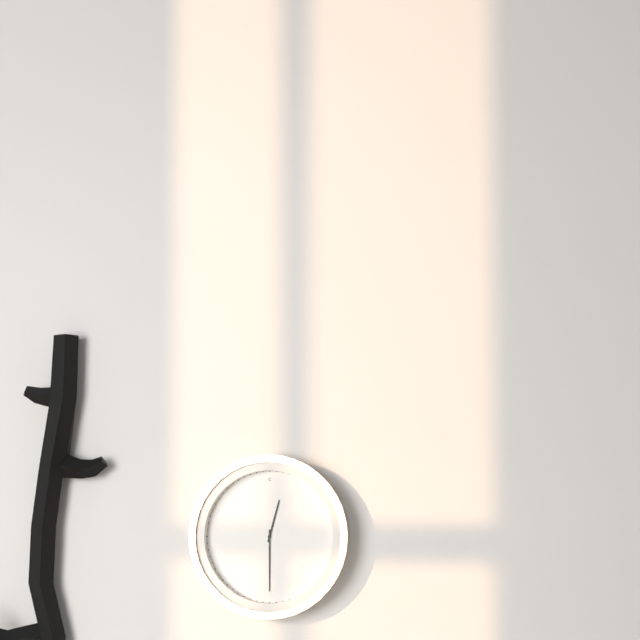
12:30
